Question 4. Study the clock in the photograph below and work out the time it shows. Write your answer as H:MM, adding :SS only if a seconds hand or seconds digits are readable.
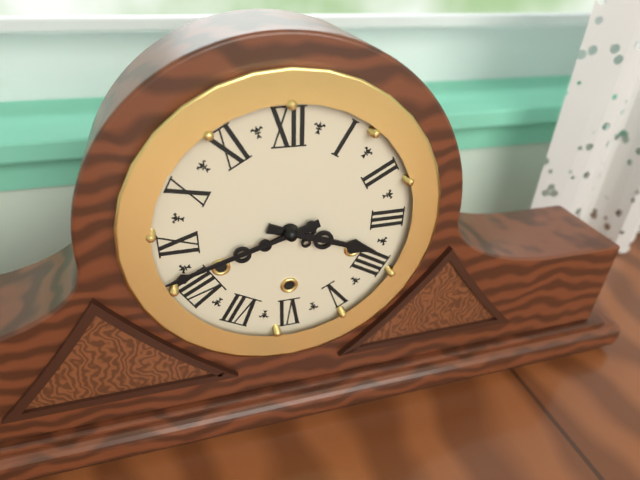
3:42
